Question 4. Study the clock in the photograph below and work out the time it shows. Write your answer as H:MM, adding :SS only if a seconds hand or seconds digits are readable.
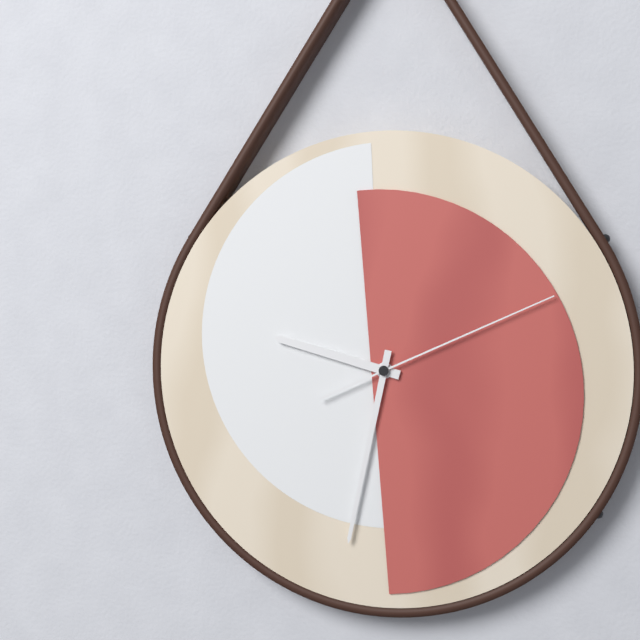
9:32:11
